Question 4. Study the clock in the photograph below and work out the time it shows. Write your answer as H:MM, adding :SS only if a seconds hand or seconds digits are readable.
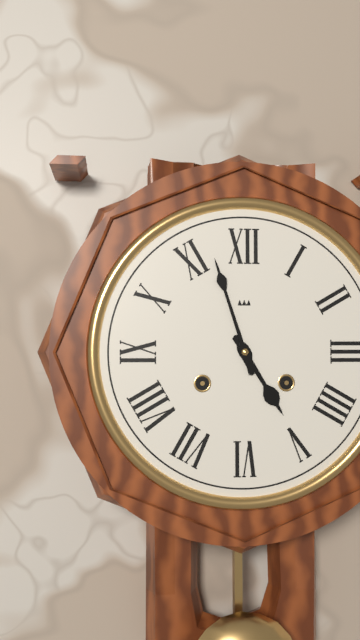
4:57
